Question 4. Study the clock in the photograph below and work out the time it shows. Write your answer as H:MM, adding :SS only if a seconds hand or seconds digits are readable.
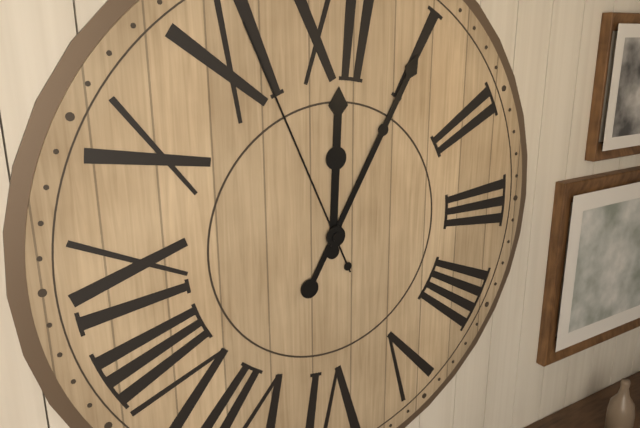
12:05:56
